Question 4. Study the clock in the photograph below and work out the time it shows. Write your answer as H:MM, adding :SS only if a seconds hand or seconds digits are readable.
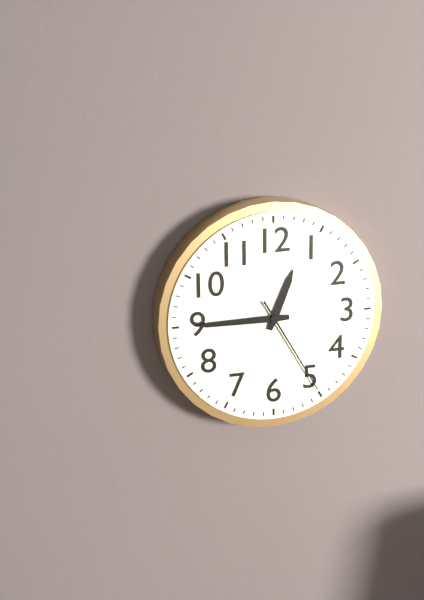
12:45:25
